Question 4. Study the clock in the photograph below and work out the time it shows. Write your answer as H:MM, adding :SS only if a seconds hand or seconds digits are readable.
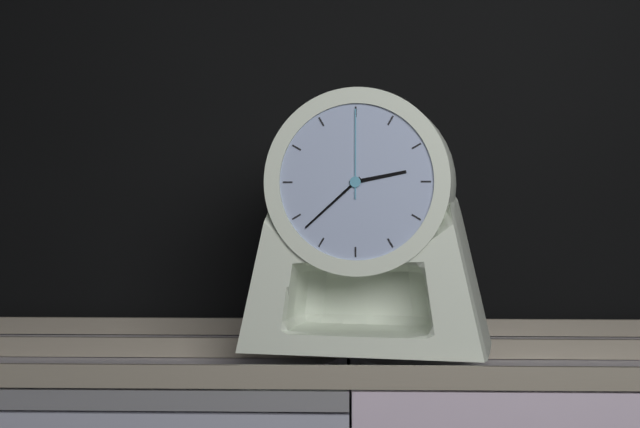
2:38:00
